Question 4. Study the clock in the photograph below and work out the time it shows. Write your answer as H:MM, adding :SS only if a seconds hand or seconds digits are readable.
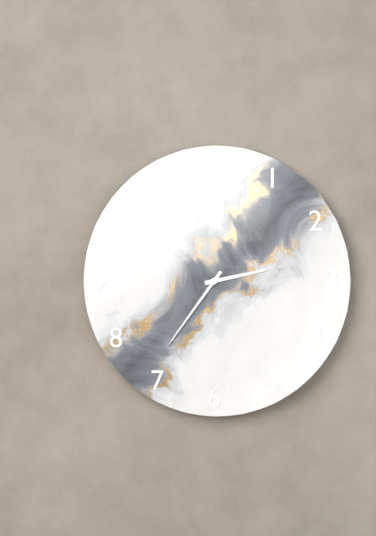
2:36
